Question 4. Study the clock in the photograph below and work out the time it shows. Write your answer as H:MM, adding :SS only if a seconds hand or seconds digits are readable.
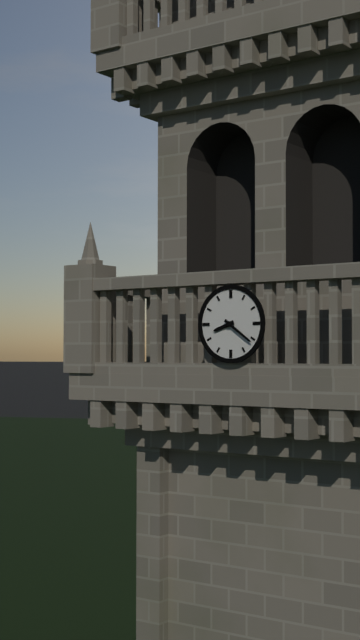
8:21
